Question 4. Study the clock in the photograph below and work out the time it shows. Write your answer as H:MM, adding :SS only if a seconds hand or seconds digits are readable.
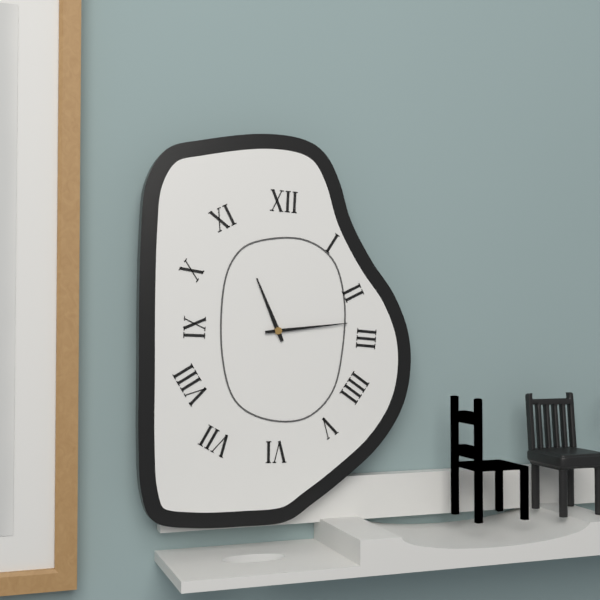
11:14
